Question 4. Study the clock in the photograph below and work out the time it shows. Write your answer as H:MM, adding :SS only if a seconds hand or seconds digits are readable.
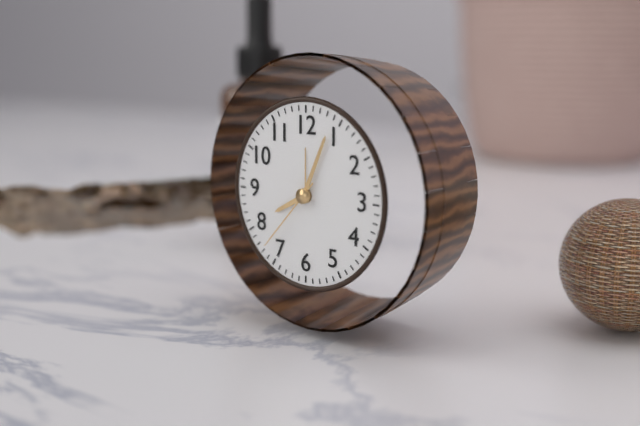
8:04:37
